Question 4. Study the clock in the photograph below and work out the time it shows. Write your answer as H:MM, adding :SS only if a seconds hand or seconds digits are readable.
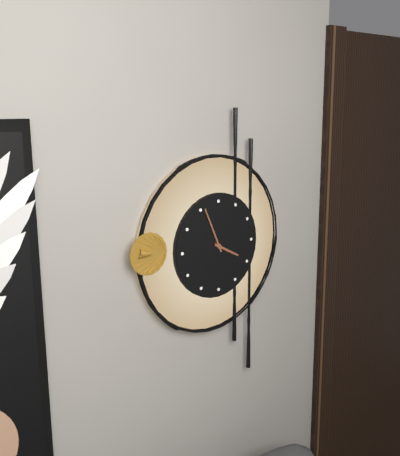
3:56
